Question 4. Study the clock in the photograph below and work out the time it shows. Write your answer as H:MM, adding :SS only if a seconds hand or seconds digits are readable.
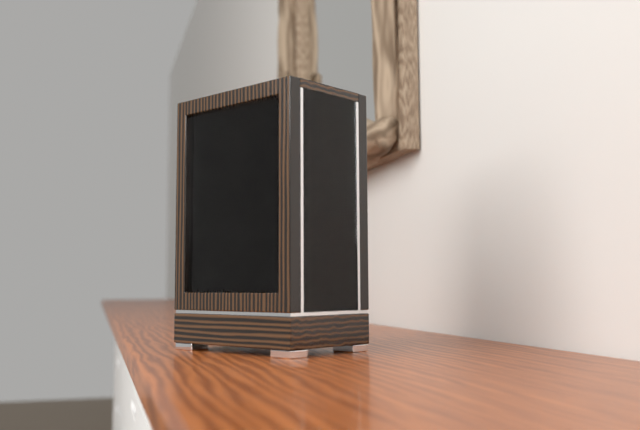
6:37
